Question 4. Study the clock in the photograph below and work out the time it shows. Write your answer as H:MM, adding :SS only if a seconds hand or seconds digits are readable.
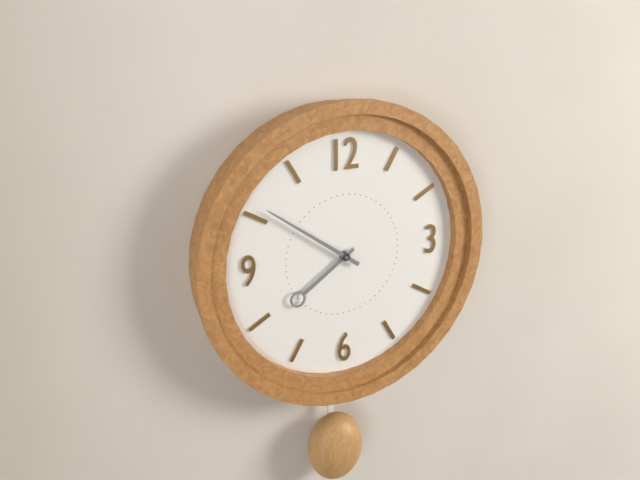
7:51
